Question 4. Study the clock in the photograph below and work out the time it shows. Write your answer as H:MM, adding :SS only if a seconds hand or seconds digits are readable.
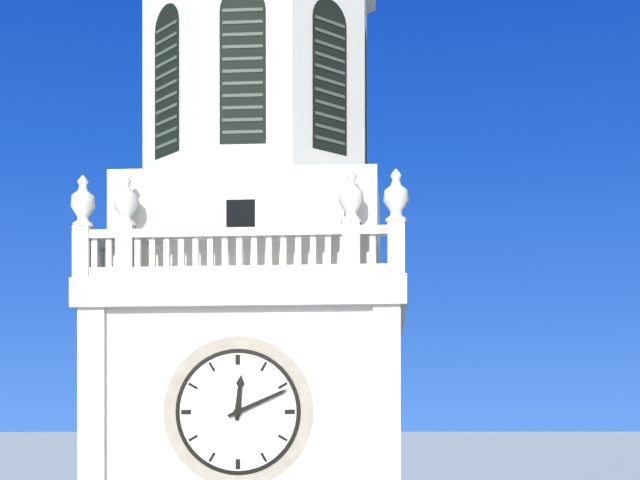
12:11
